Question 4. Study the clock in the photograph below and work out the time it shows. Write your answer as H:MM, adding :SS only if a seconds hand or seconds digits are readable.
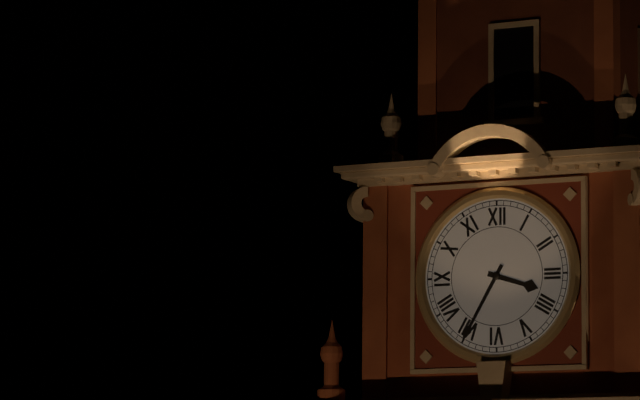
3:35
